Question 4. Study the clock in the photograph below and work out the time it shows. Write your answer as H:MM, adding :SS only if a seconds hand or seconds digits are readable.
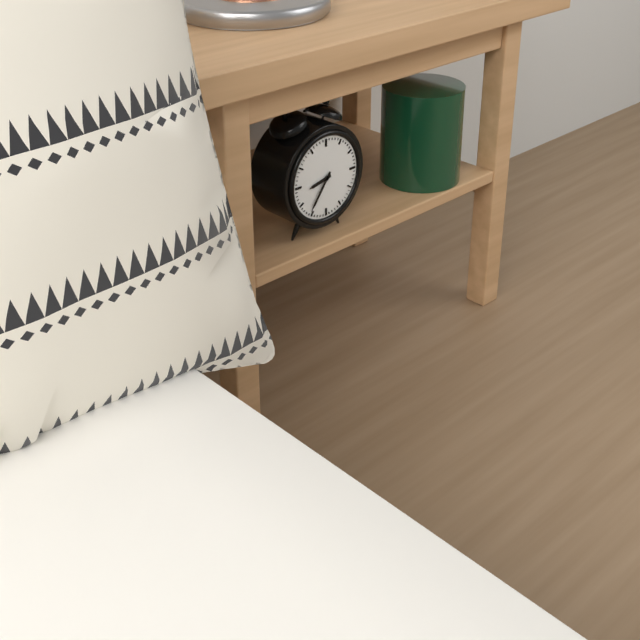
8:36
